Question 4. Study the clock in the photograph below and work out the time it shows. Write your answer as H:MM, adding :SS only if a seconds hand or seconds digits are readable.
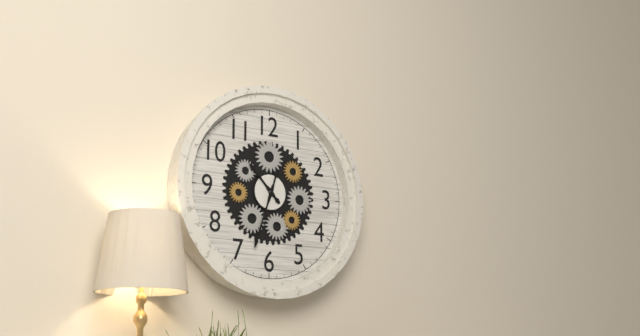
10:33
